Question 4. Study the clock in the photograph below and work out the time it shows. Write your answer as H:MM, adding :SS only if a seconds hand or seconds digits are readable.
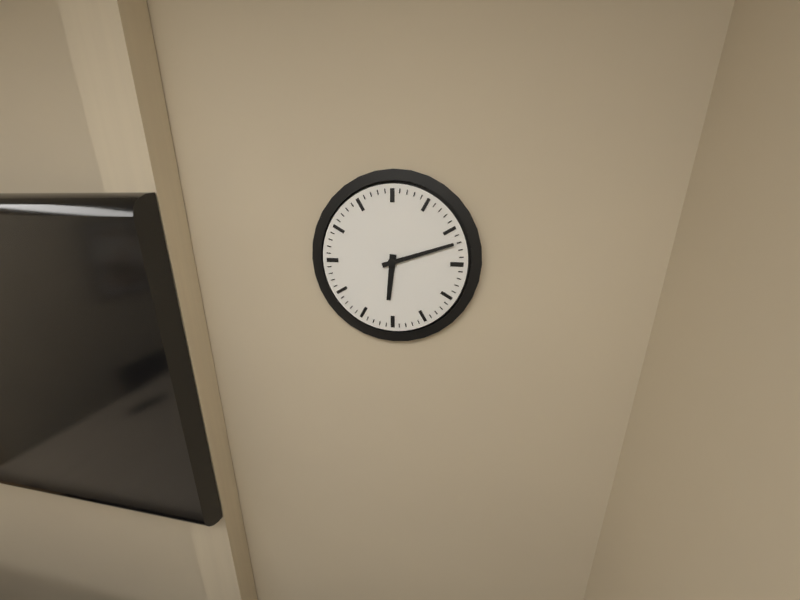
6:12
